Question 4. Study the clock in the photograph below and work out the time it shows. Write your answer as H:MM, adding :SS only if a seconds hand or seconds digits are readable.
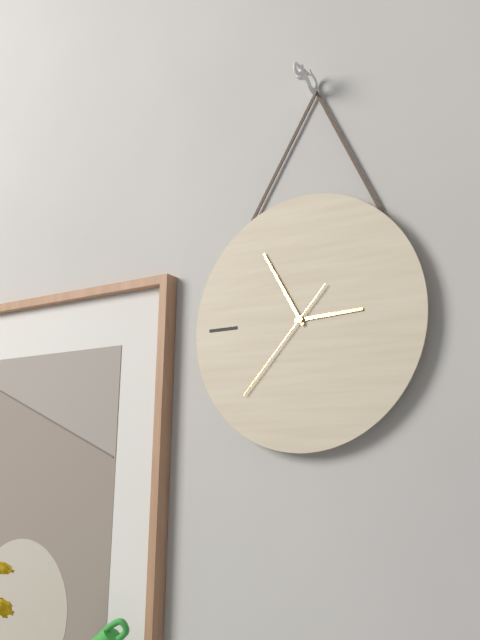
2:55:37
